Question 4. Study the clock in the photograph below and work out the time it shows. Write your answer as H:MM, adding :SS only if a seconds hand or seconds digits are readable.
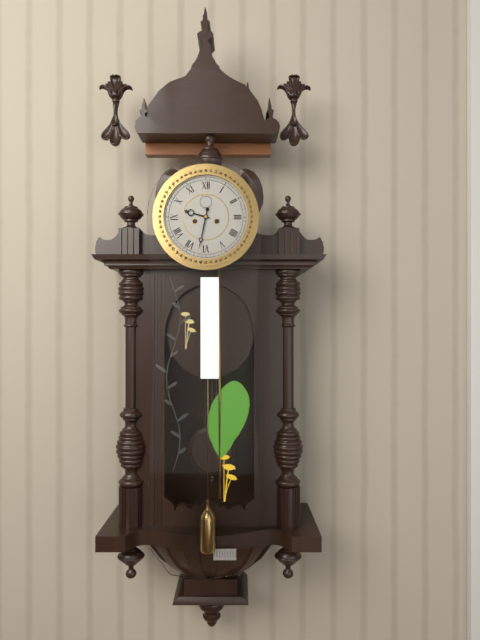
9:32
